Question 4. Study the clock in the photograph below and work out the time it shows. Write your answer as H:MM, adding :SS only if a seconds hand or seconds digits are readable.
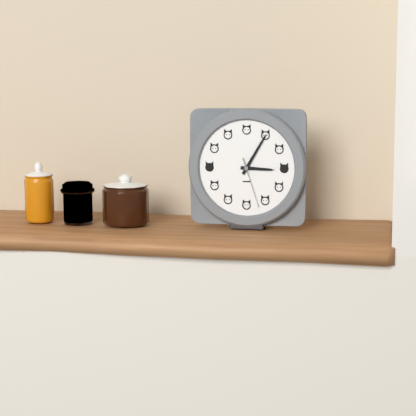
3:05:27
